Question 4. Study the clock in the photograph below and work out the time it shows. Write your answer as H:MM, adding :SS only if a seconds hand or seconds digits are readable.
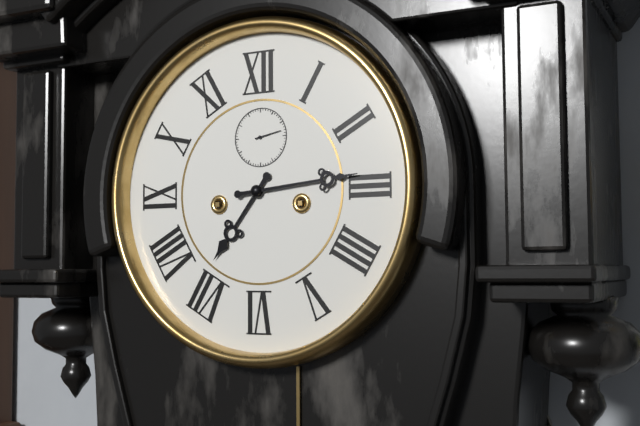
7:14
